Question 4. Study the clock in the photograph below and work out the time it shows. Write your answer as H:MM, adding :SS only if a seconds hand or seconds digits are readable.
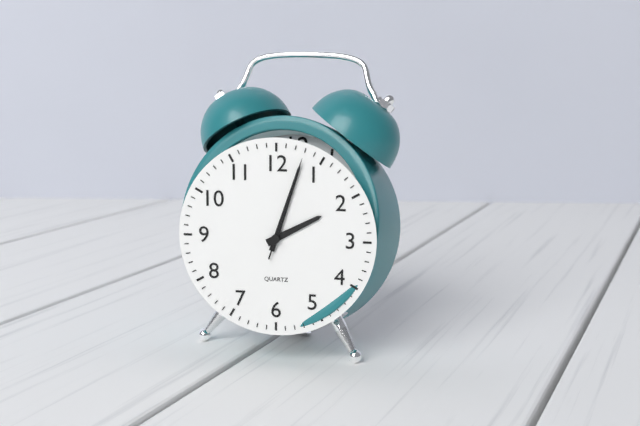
2:03:03
